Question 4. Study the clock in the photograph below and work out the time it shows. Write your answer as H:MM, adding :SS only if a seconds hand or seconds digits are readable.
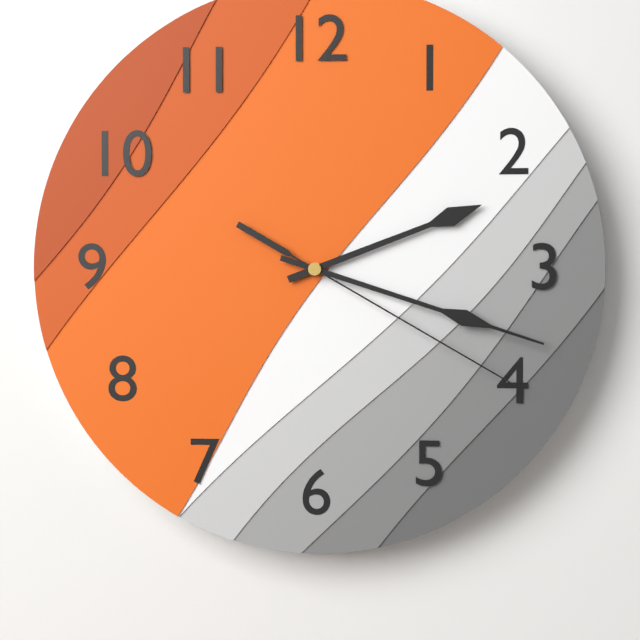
2:18:20
